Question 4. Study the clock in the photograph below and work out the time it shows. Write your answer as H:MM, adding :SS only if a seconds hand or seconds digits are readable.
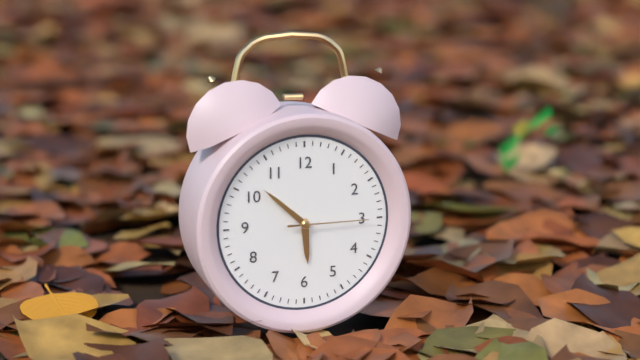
5:52:15
